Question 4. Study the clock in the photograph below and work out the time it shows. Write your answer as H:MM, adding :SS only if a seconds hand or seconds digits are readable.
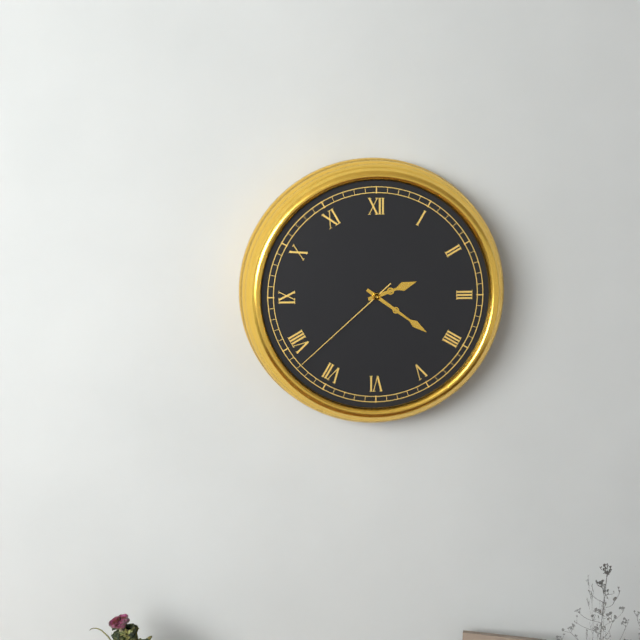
2:21:38
